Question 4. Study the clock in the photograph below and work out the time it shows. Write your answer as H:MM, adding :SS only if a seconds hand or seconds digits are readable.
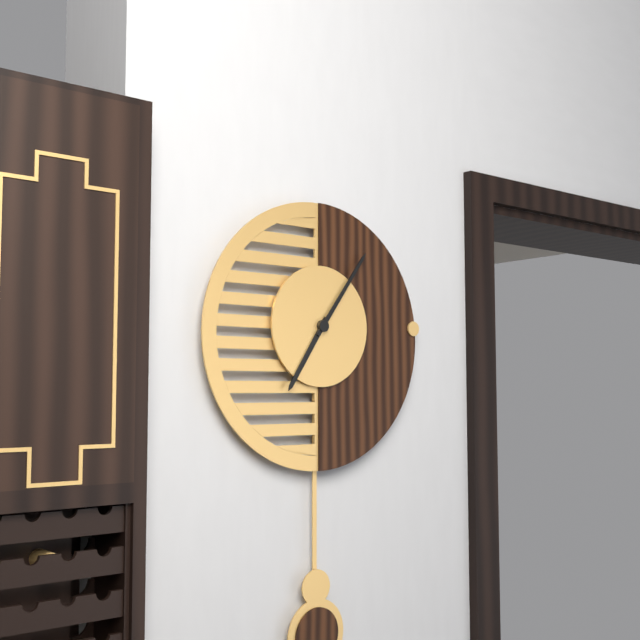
7:06
